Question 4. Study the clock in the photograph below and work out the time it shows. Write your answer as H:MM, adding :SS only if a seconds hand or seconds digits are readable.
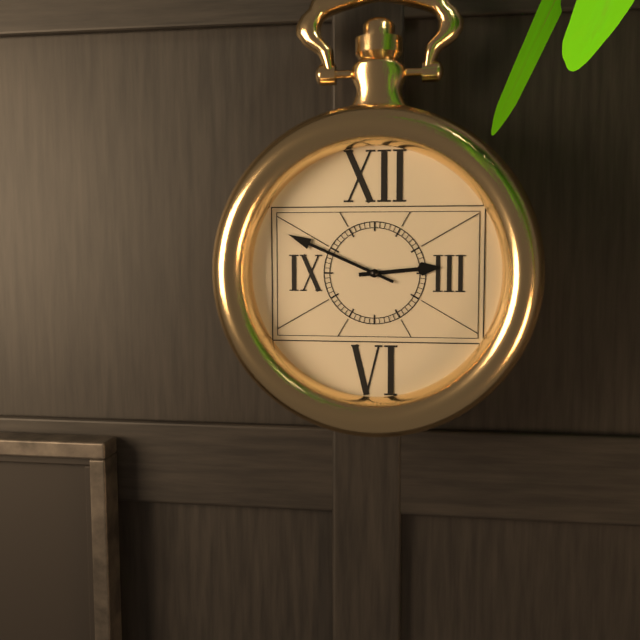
2:49
